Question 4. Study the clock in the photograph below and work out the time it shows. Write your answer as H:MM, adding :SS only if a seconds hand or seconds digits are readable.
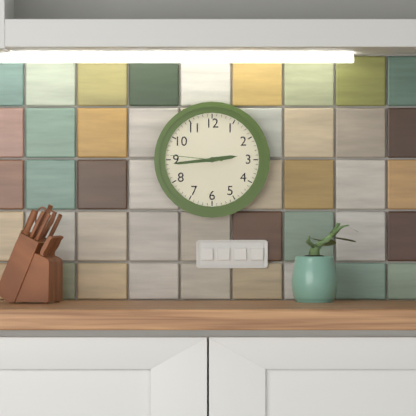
2:44:46
